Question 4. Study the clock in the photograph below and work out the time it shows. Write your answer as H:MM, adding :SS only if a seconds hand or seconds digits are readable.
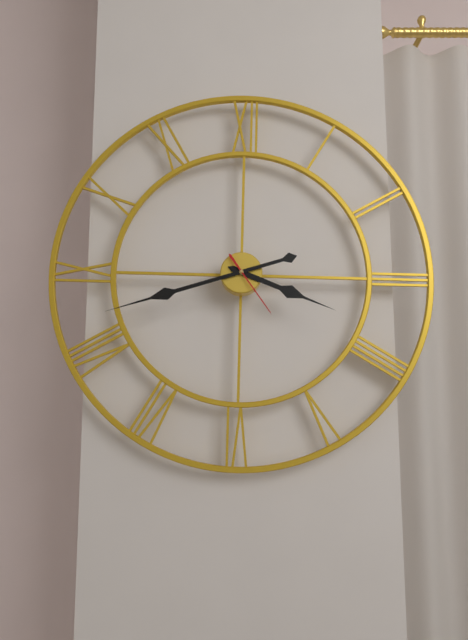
3:42:24
